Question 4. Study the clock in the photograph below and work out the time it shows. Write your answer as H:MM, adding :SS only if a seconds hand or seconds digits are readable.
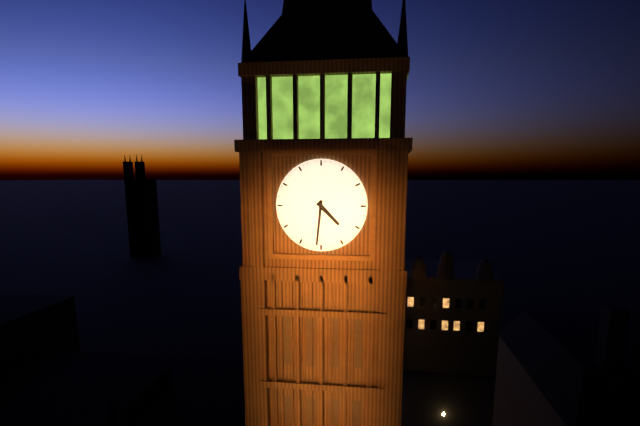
4:31
